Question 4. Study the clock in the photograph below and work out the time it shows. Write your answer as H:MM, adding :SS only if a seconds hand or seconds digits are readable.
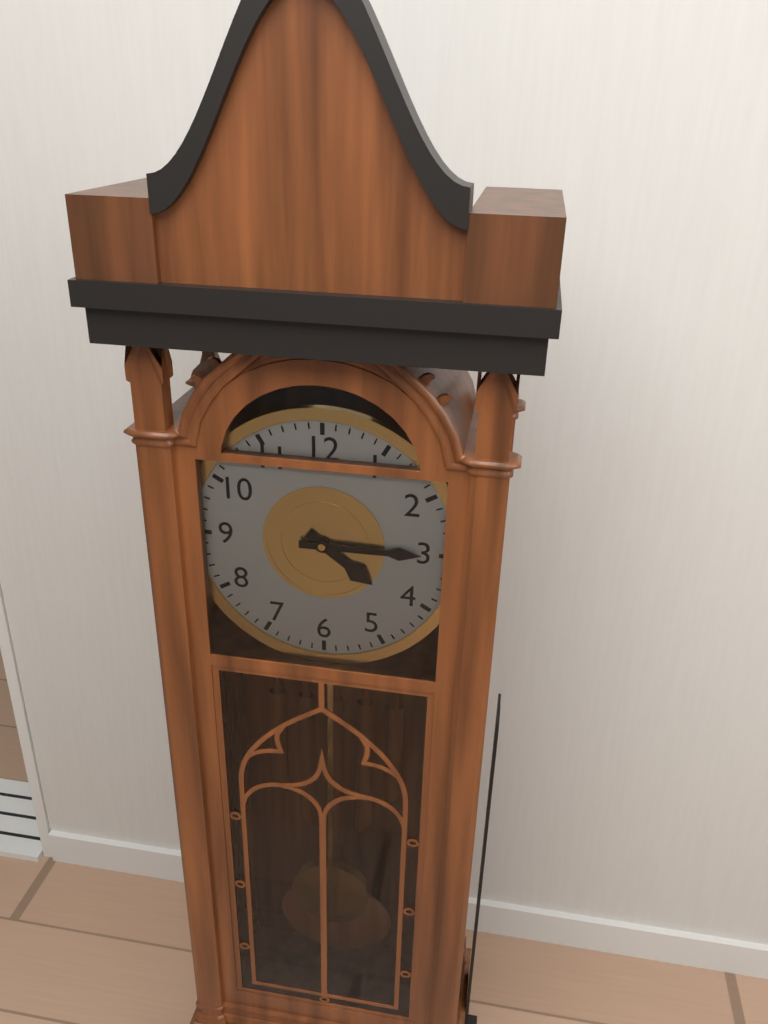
4:15
